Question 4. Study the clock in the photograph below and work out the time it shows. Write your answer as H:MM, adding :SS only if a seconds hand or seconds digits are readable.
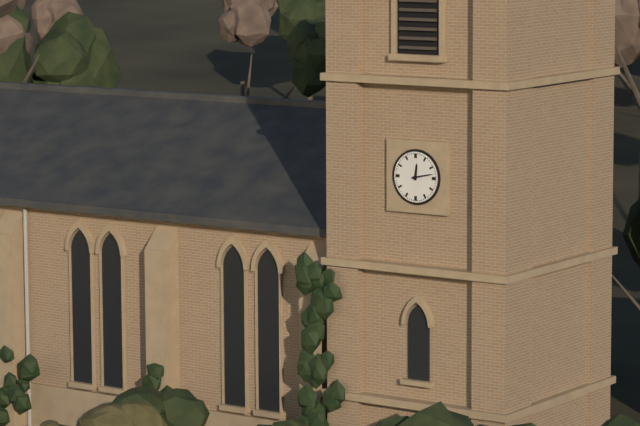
12:13
